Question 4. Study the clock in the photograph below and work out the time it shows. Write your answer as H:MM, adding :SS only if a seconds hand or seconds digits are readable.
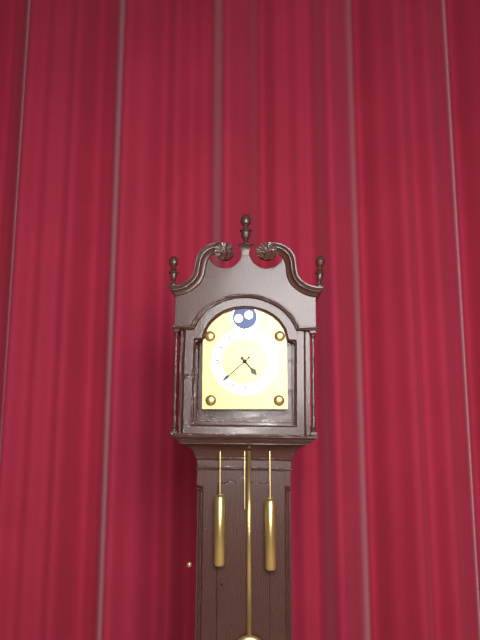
4:38
